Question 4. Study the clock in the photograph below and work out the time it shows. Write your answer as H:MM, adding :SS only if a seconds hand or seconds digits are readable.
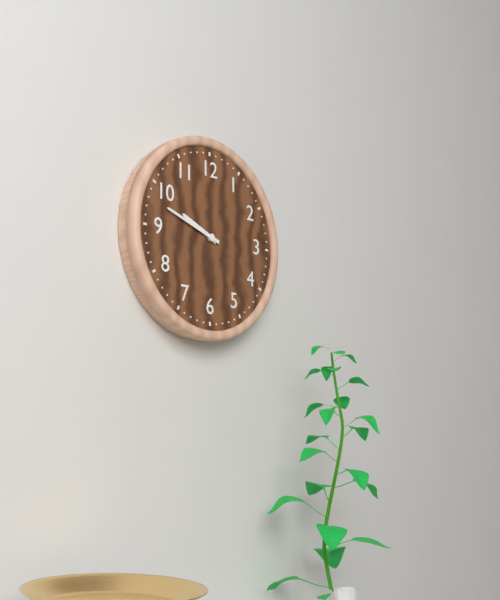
9:48
